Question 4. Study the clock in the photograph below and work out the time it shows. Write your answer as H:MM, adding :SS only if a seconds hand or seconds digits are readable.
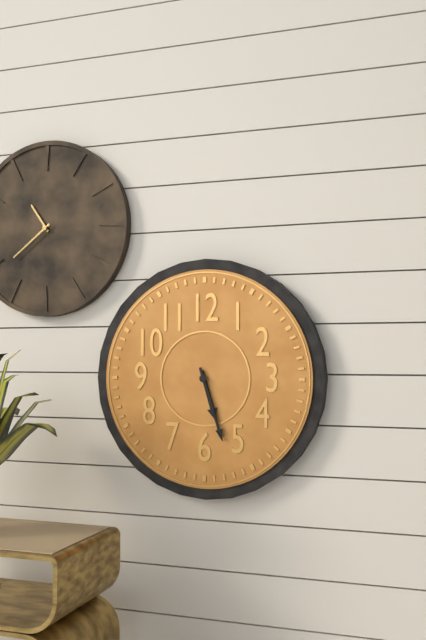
5:27
